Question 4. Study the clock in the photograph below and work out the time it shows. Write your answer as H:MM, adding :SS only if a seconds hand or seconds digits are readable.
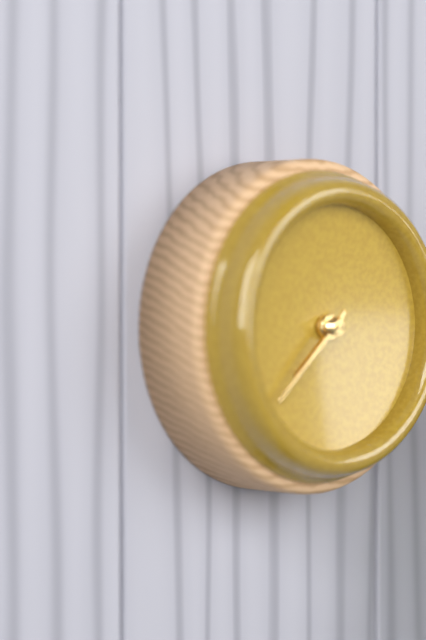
7:38
